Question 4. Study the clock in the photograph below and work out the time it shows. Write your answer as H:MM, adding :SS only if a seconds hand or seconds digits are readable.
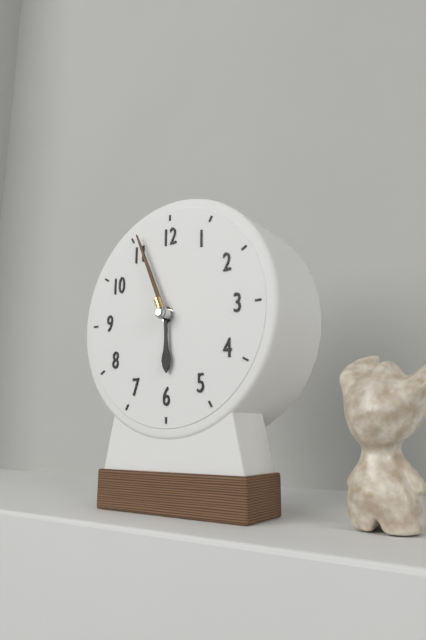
5:56
